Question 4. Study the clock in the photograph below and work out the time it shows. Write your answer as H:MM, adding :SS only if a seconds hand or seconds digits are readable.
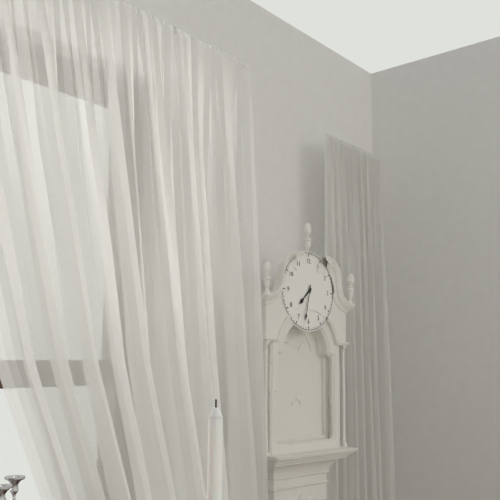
7:32
